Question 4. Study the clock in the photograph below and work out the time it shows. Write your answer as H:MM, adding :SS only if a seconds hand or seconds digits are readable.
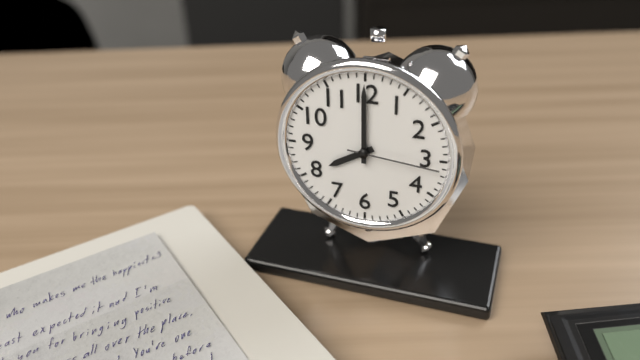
8:00:16
